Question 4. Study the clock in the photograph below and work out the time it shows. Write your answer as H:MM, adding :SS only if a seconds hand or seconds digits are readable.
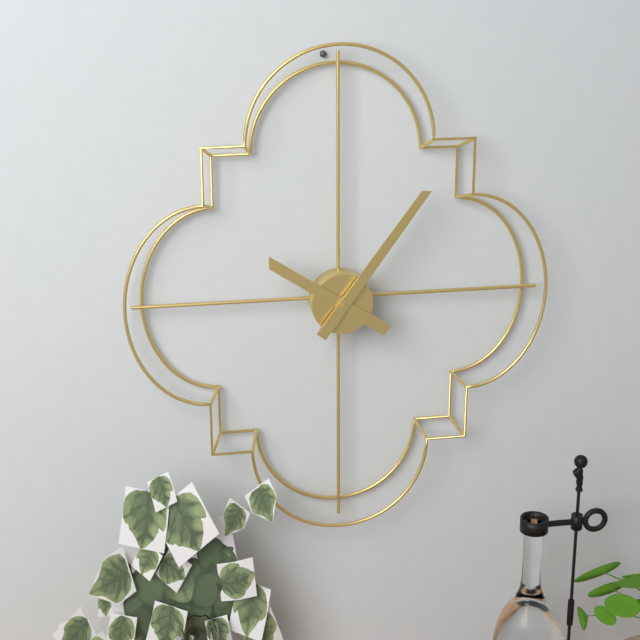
10:06
